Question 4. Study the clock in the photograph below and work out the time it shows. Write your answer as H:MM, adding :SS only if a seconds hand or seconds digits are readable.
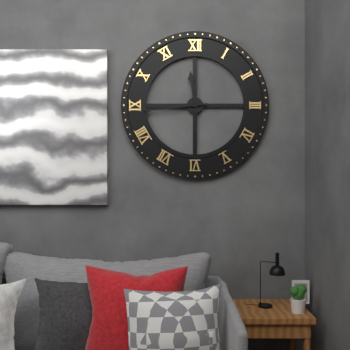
11:44
